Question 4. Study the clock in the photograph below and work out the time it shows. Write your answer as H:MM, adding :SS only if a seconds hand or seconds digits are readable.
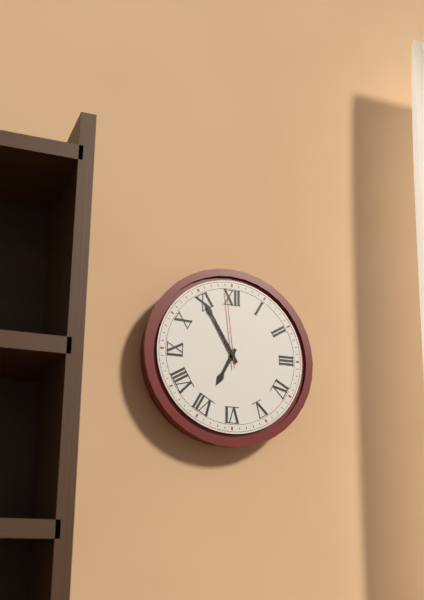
6:55:59
